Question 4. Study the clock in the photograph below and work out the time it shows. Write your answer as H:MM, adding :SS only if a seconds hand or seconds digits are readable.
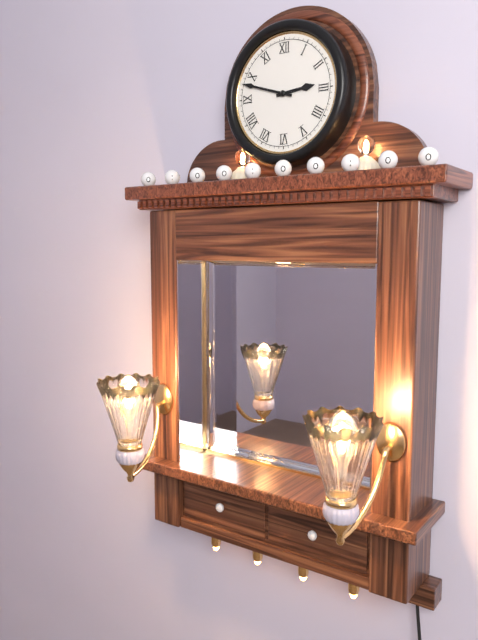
2:48
